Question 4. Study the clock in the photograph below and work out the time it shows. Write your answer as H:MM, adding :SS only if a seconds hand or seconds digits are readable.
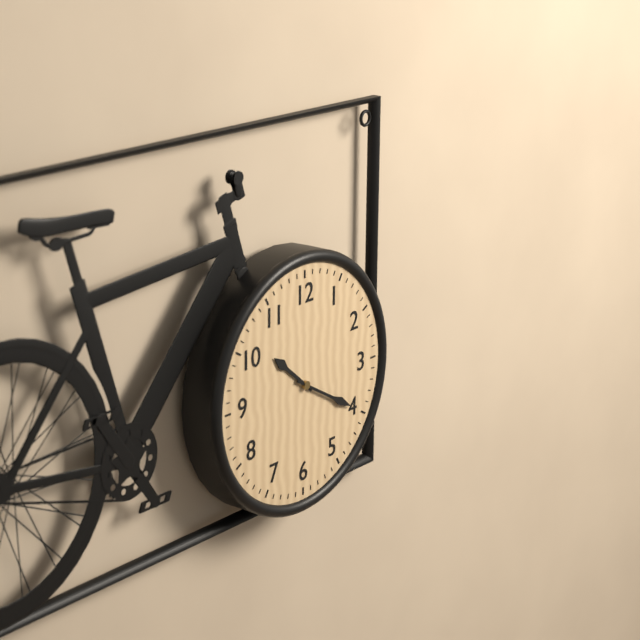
10:20
